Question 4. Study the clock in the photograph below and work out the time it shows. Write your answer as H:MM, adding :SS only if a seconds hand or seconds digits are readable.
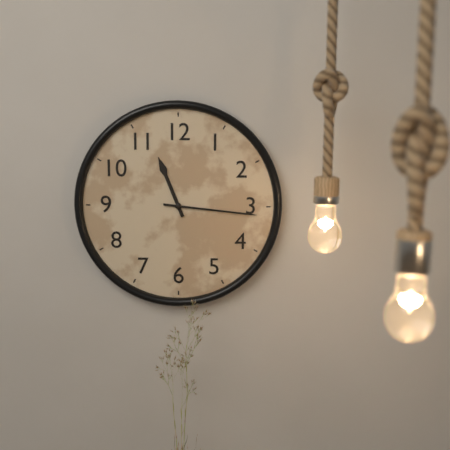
11:16
